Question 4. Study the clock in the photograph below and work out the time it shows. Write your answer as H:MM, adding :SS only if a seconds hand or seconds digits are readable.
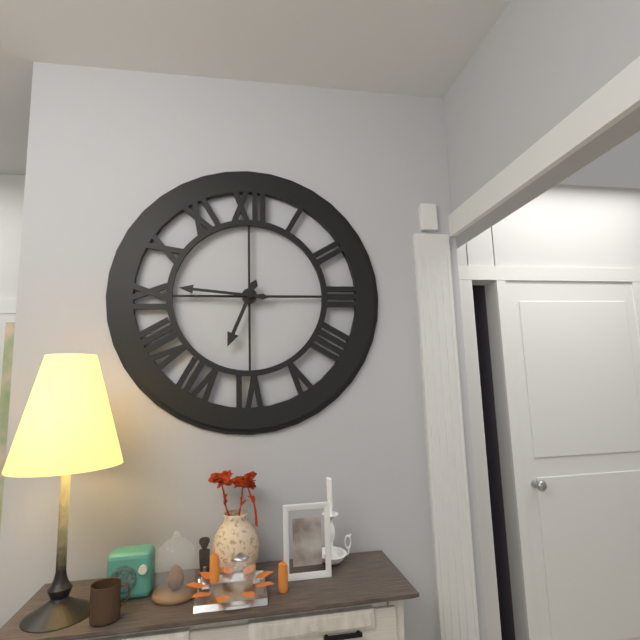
6:46
